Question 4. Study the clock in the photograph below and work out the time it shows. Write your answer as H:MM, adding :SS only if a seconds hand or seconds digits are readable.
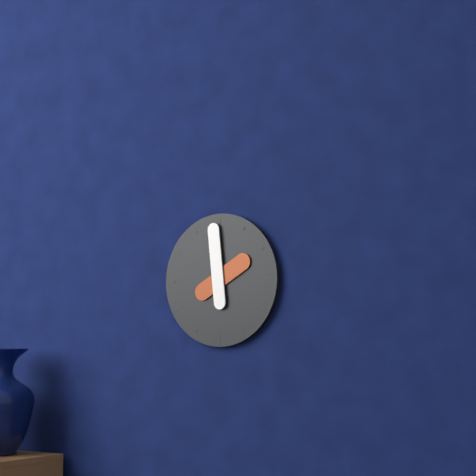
1:59
